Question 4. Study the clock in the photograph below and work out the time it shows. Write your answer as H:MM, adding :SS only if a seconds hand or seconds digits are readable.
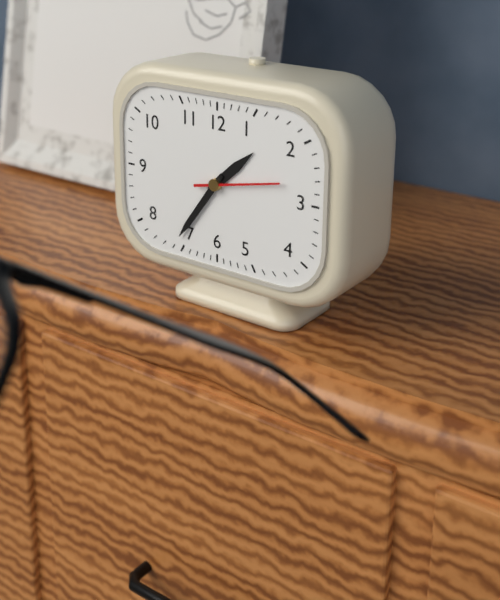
1:36:13
